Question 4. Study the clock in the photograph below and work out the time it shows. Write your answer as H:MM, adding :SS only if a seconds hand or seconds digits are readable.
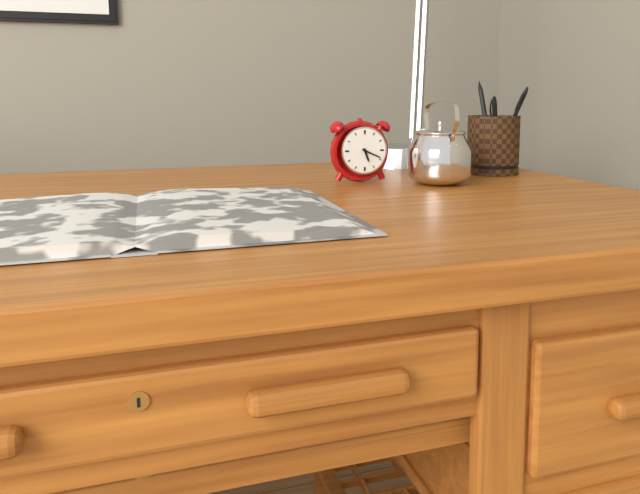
5:19
